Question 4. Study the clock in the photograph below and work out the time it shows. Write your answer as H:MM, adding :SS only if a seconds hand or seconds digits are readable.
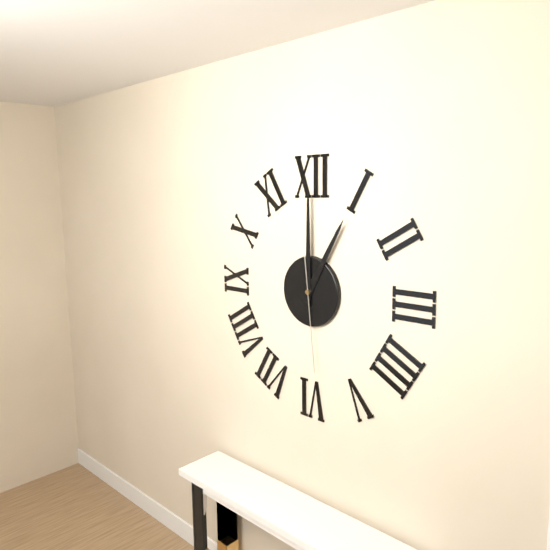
1:00:29
